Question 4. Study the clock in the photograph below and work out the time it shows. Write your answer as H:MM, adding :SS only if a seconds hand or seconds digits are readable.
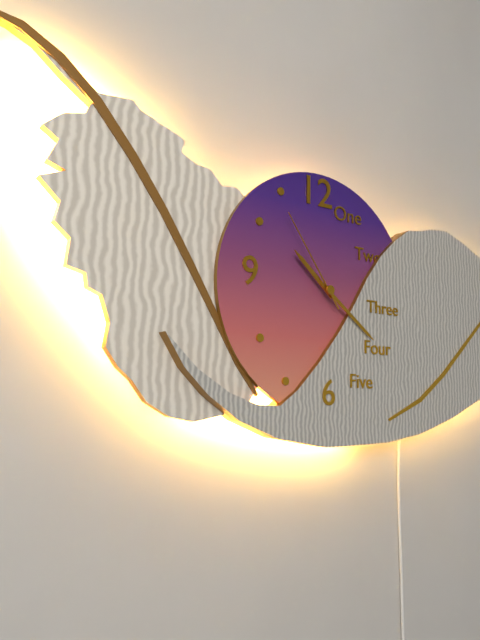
10:21:54
